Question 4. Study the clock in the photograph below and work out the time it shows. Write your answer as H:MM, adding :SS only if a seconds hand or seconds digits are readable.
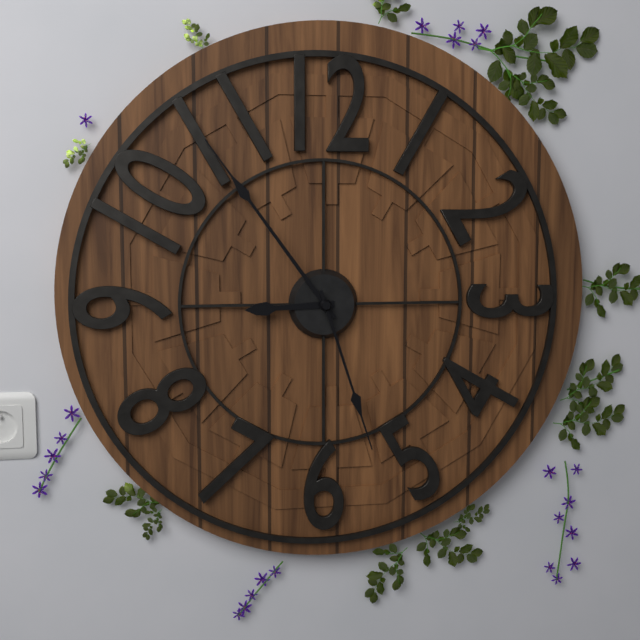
8:54:27
